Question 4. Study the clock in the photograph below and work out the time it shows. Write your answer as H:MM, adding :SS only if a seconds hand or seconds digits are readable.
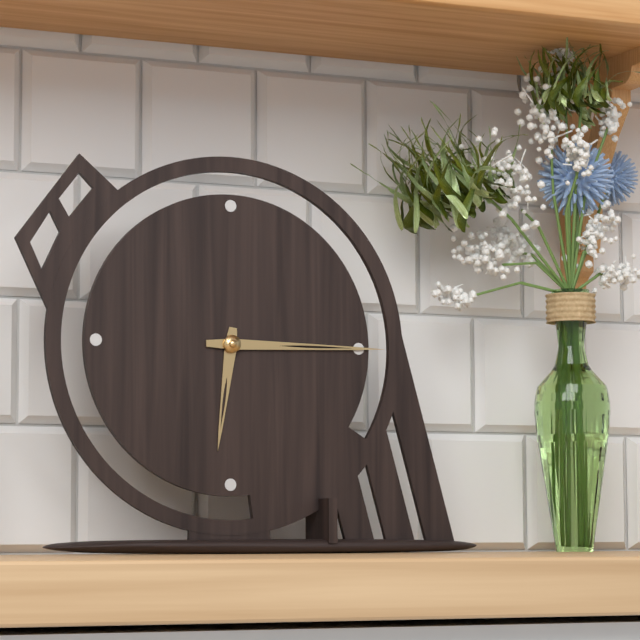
6:15
